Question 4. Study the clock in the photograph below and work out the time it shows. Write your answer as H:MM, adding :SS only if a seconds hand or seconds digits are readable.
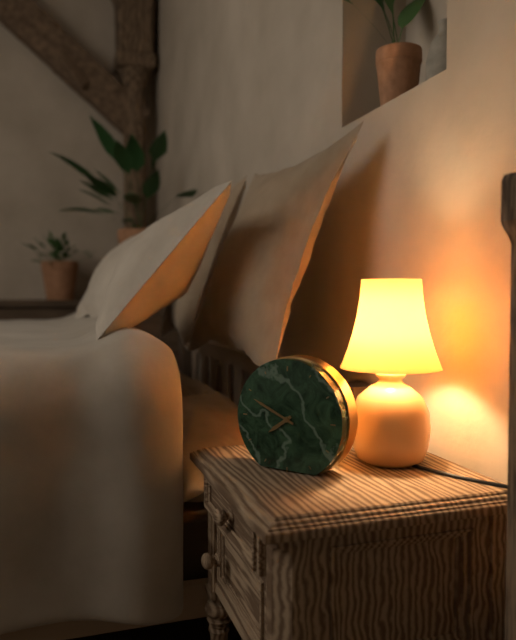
7:49
